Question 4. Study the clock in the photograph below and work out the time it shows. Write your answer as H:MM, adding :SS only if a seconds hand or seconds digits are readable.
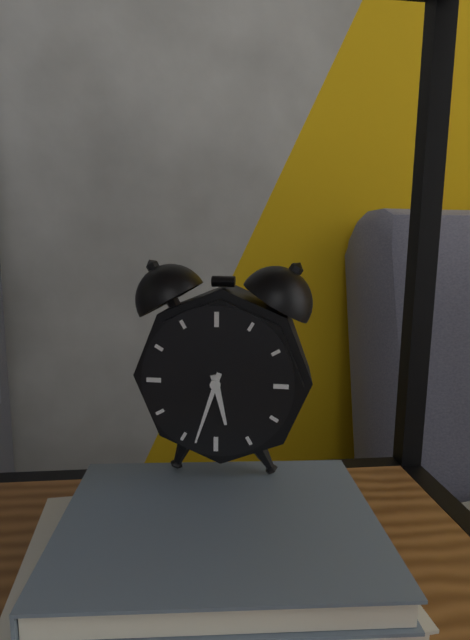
5:33
